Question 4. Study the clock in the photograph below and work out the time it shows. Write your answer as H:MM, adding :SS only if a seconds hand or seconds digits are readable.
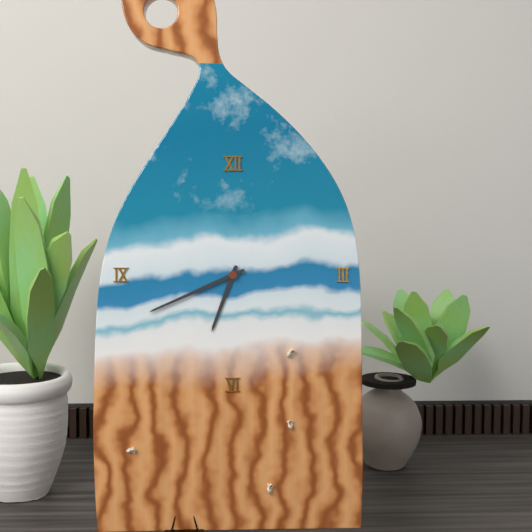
6:41
